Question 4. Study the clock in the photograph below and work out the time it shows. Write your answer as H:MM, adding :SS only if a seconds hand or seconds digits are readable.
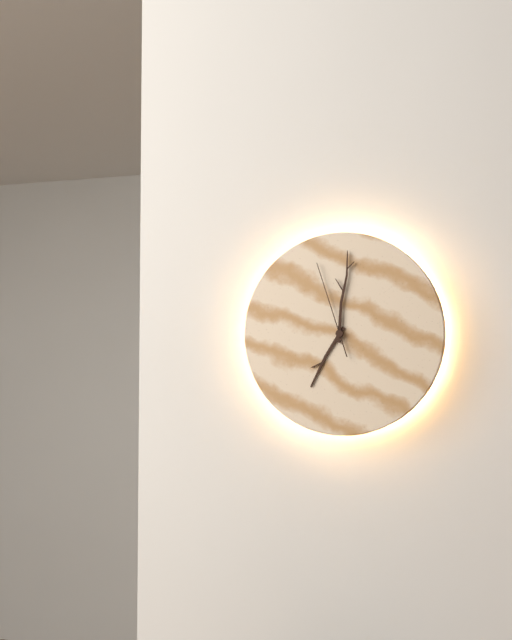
7:01:57
